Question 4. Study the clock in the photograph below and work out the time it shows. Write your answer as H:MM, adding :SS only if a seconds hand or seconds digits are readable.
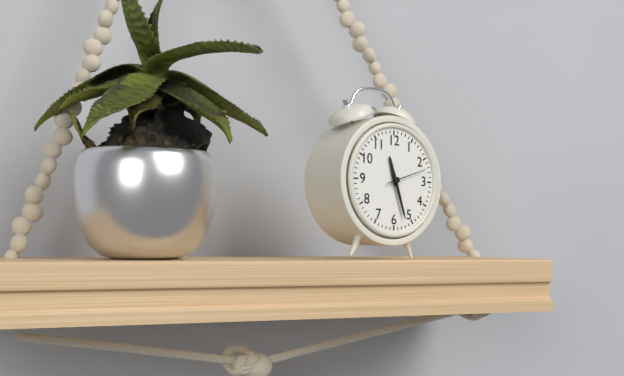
11:27
